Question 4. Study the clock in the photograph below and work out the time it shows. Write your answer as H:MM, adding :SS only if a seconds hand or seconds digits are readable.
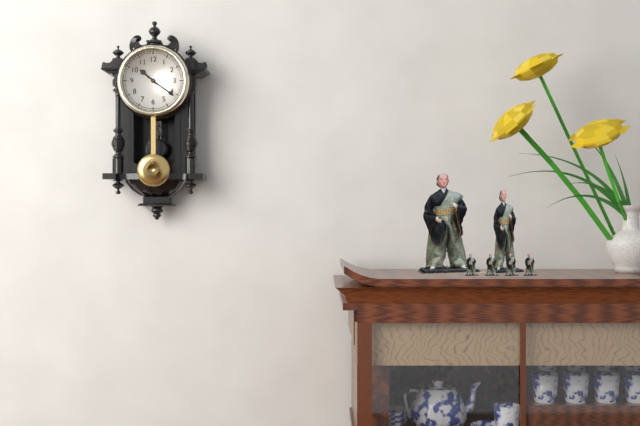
10:21
